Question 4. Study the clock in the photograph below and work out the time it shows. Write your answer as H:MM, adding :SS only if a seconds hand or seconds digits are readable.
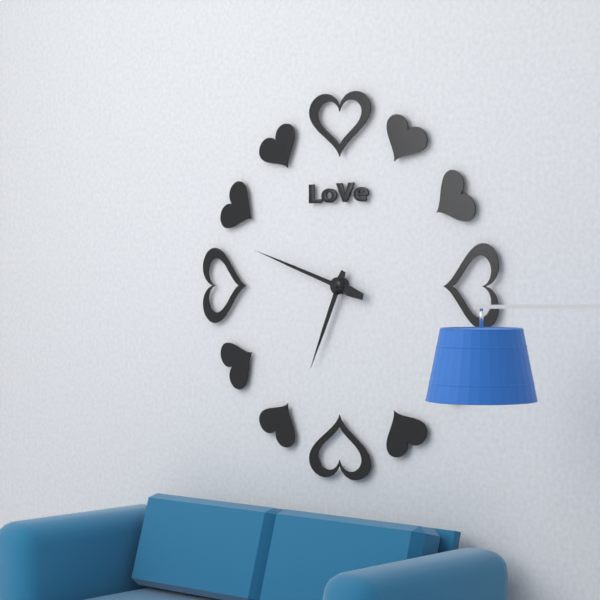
6:48
